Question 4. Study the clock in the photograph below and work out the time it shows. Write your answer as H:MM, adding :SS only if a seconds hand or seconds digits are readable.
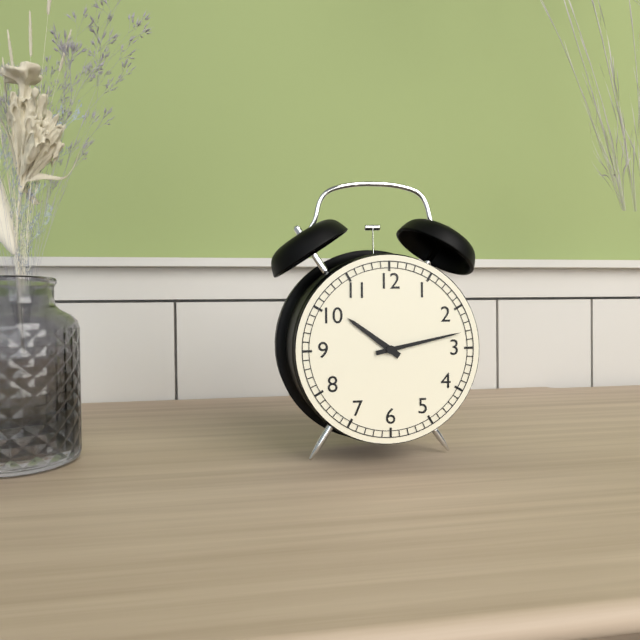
10:13
